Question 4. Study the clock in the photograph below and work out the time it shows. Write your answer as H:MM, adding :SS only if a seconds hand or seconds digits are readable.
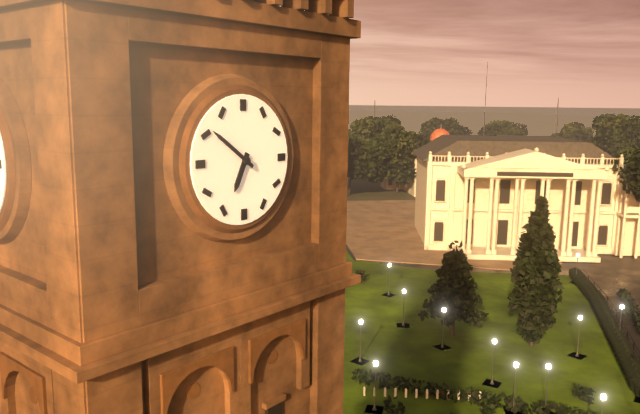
6:51
